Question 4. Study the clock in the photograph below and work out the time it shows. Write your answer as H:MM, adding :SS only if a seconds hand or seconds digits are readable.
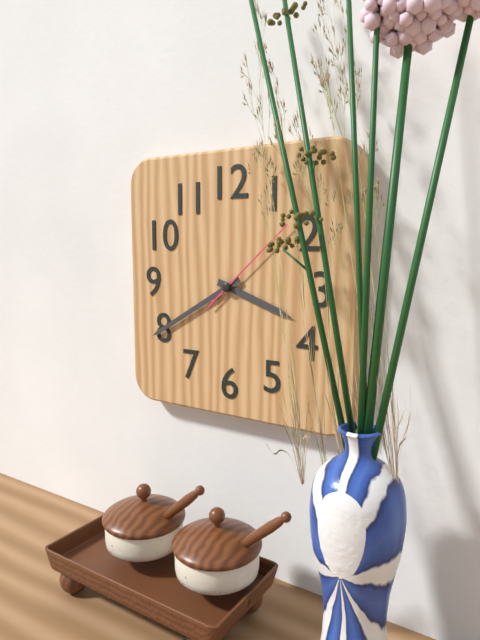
3:40:08
